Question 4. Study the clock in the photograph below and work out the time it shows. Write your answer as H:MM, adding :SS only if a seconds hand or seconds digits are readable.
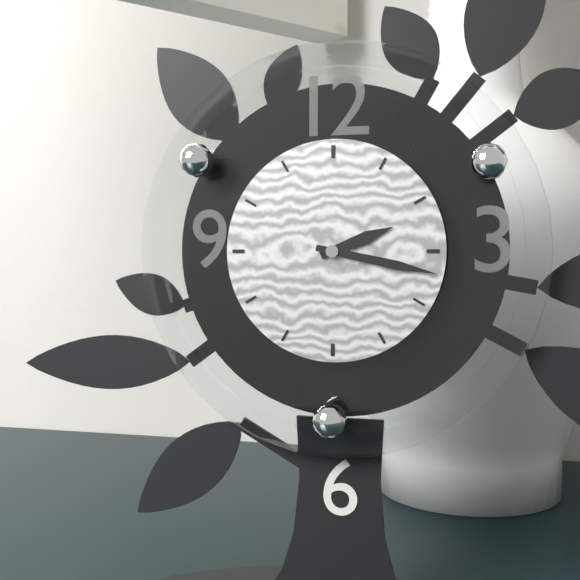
2:17
